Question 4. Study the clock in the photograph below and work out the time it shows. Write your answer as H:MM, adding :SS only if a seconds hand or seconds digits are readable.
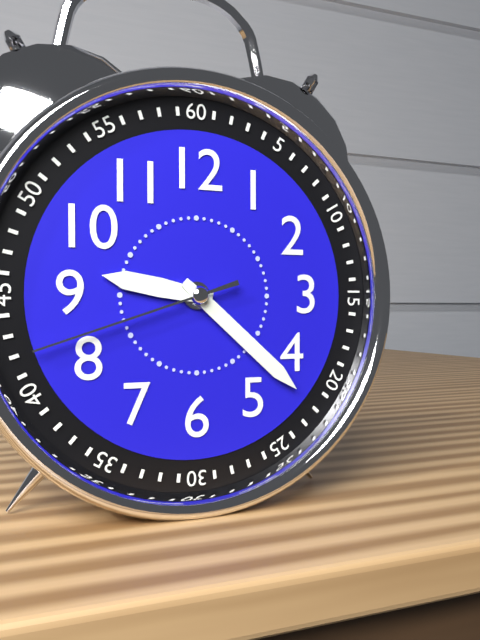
9:22:42
